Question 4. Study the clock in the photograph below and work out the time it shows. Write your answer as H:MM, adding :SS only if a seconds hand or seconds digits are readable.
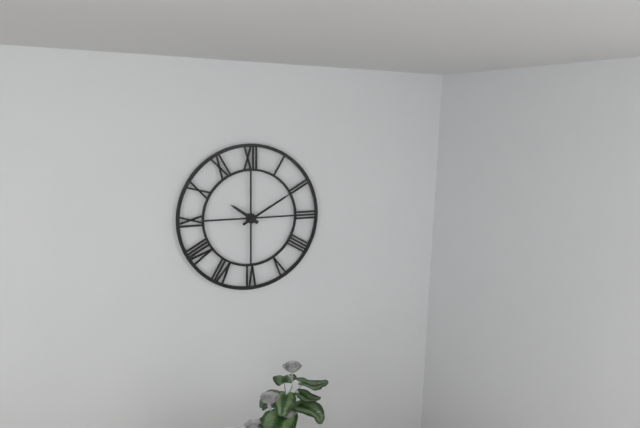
10:10
